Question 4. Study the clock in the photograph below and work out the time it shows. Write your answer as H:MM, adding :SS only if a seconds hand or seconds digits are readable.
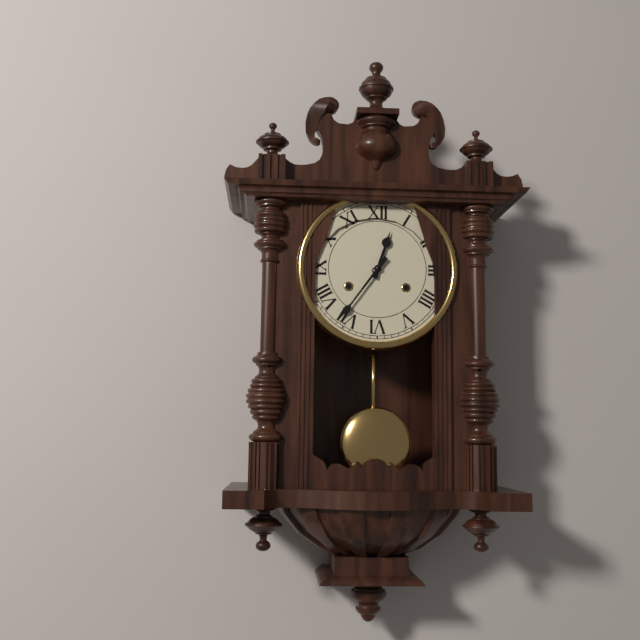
12:36
